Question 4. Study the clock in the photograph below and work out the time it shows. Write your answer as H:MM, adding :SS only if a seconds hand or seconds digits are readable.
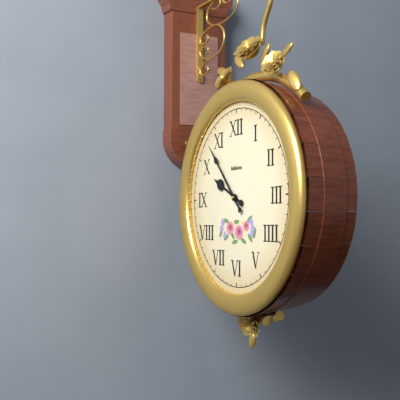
9:53
